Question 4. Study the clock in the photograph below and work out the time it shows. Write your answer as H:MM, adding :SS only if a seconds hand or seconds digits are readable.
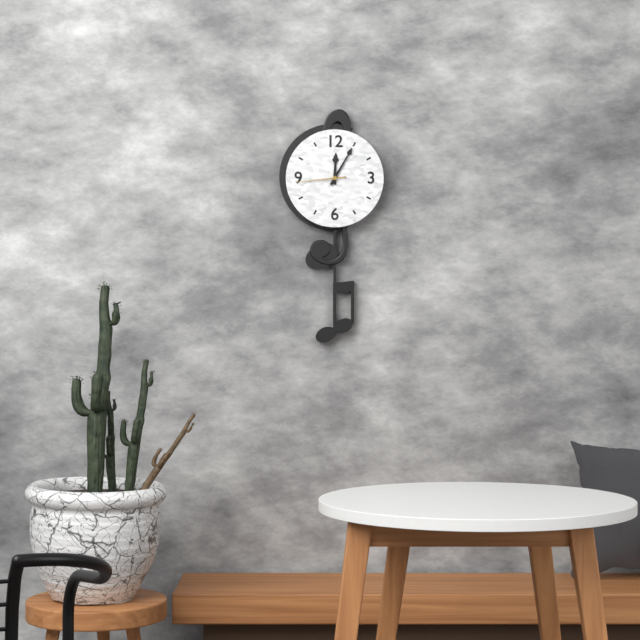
12:05
